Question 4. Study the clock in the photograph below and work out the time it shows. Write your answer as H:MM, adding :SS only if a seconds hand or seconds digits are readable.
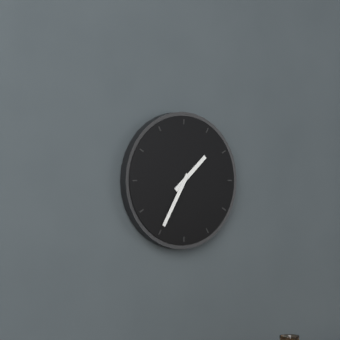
1:35
